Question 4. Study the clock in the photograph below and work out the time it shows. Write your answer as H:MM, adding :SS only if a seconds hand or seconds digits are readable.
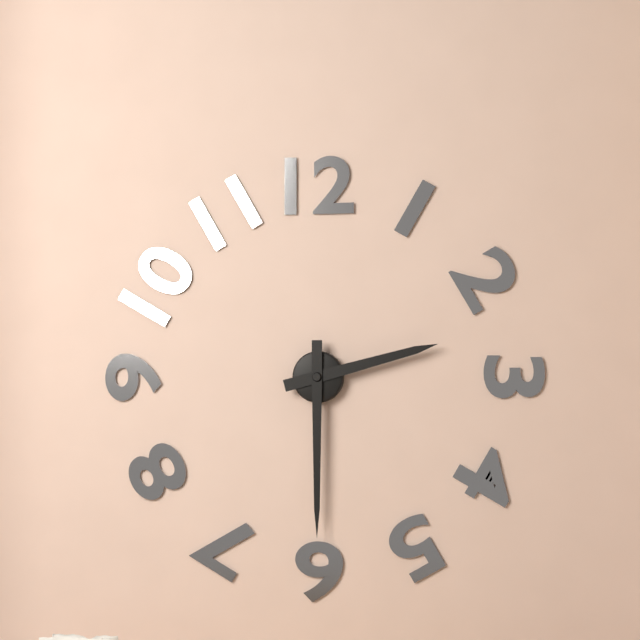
2:30
